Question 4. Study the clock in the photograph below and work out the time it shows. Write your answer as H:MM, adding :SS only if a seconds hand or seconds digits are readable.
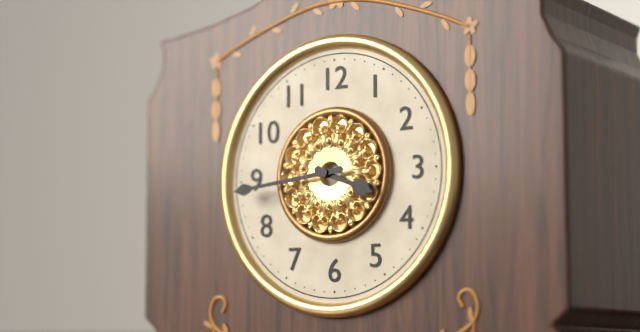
3:44
